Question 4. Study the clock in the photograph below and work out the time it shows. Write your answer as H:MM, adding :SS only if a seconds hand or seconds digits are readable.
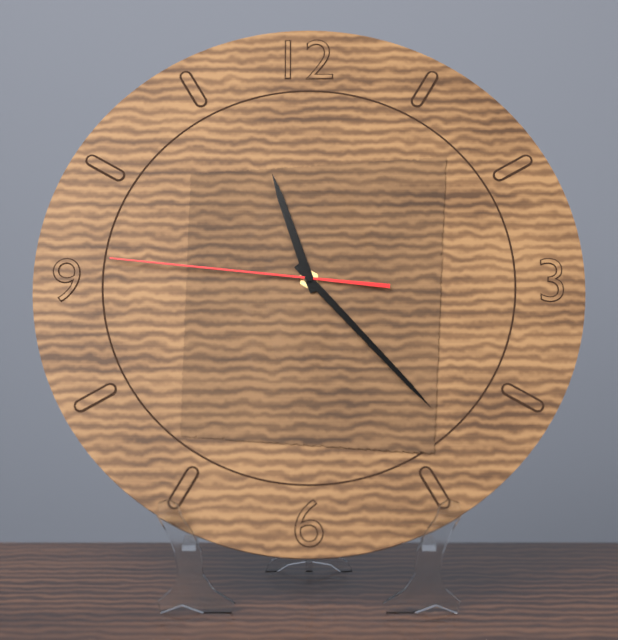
11:23:46
